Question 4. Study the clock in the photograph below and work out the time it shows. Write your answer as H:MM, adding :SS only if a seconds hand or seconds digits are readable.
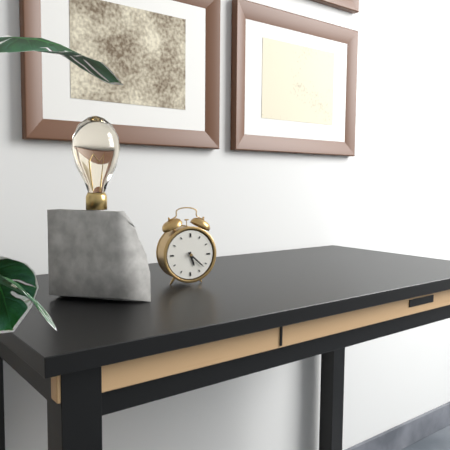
5:22
